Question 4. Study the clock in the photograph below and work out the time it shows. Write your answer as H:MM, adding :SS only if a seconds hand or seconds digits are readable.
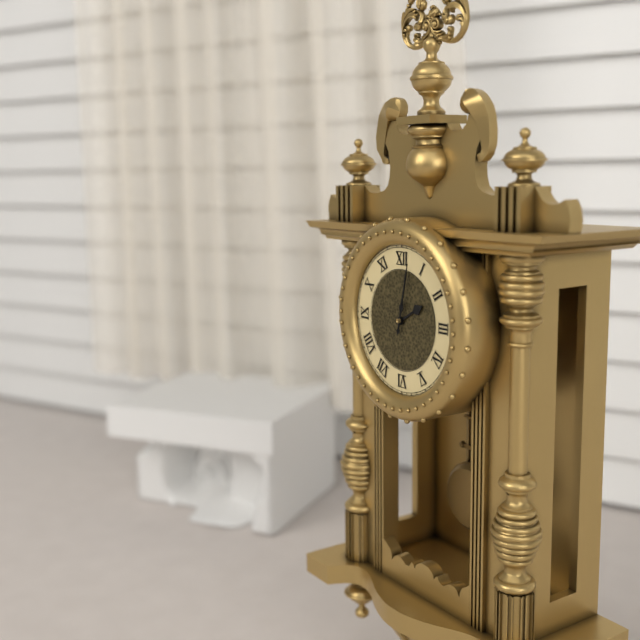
2:02
